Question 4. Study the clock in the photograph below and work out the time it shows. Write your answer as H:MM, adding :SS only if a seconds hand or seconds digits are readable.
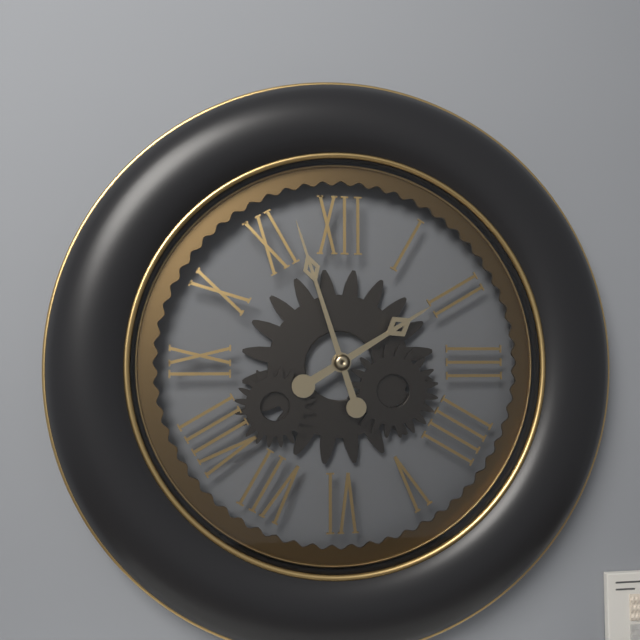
1:57
